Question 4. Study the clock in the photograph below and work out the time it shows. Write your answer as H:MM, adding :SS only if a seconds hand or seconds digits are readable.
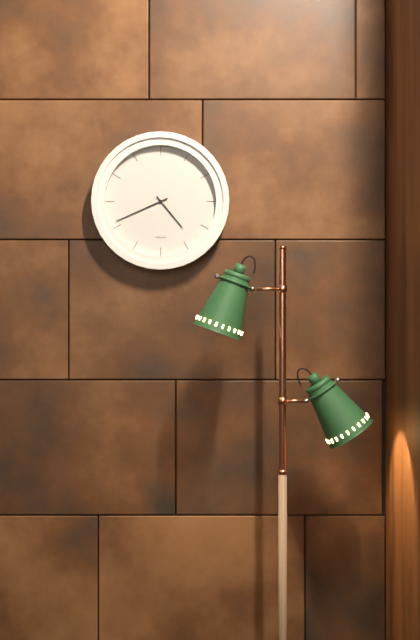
4:41
